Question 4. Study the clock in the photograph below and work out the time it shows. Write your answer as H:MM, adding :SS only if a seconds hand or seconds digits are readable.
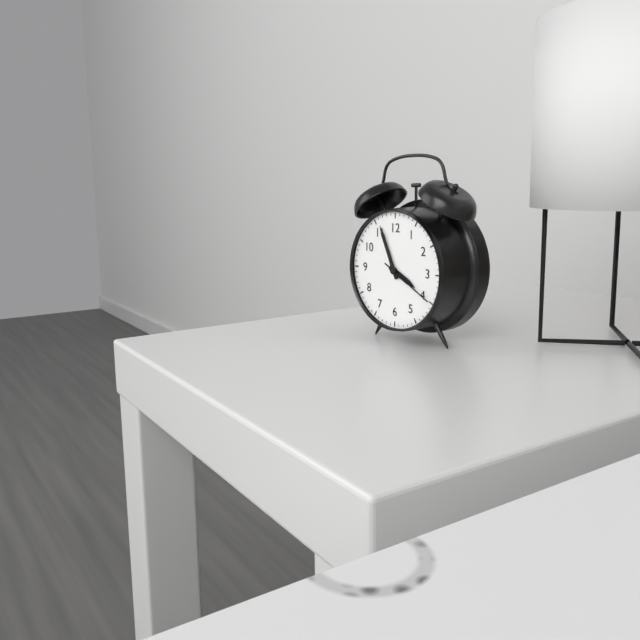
3:56:20
